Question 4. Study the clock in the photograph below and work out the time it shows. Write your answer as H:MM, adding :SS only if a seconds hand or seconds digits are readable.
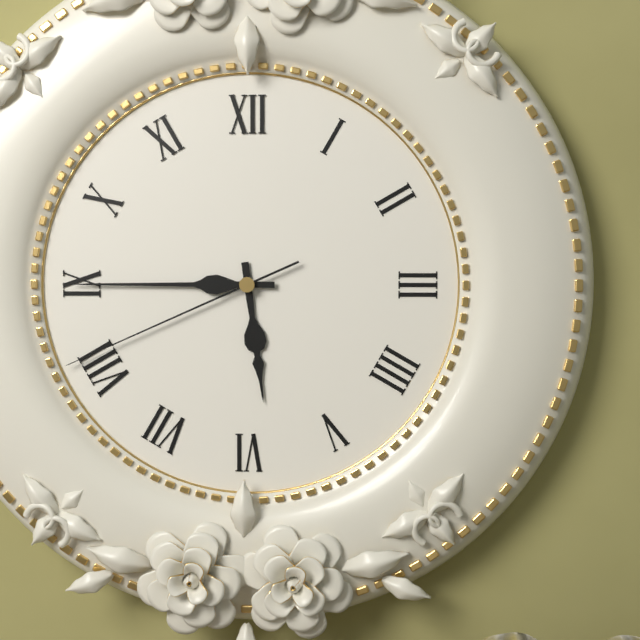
5:45:41
